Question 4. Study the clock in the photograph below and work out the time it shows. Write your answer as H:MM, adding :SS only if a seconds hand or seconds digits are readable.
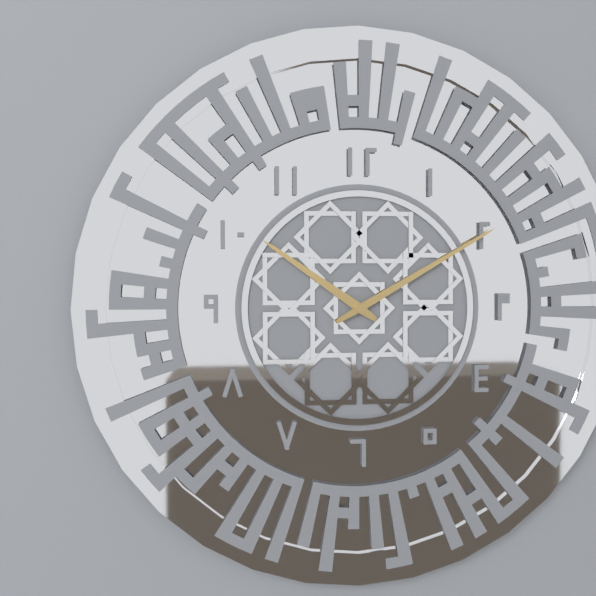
10:10
